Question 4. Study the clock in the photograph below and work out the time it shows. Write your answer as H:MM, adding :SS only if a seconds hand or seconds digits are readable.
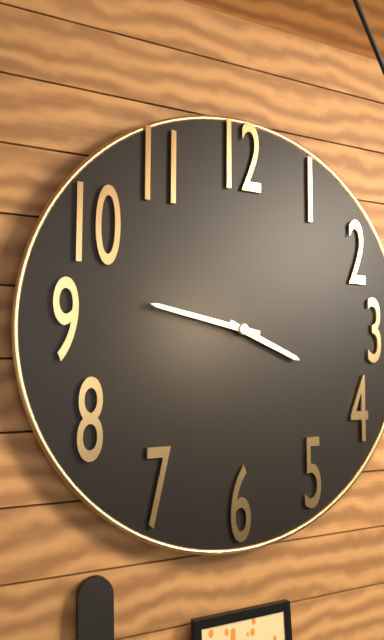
3:47
